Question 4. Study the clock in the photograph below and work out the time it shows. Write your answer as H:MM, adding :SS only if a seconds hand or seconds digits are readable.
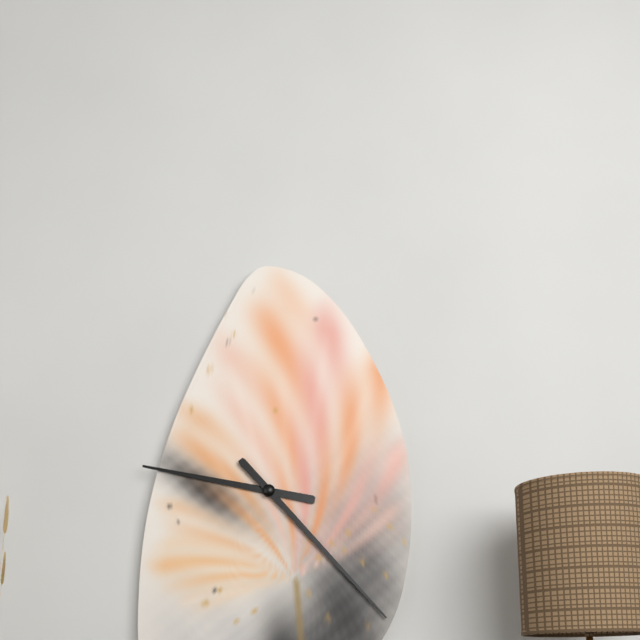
9:23
